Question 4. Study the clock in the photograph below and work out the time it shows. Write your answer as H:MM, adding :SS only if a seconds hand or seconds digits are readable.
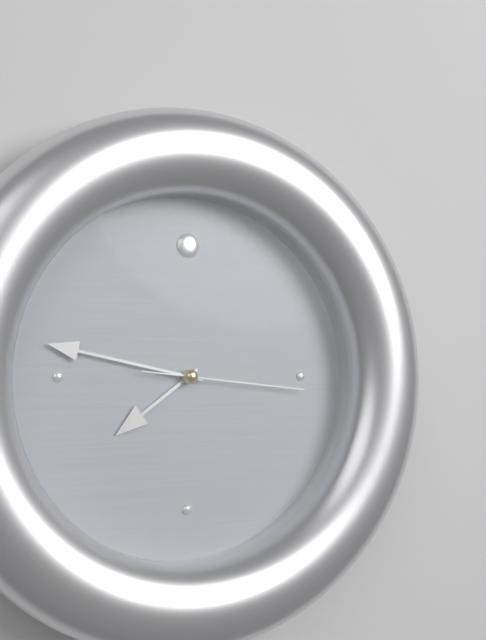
7:47:16
